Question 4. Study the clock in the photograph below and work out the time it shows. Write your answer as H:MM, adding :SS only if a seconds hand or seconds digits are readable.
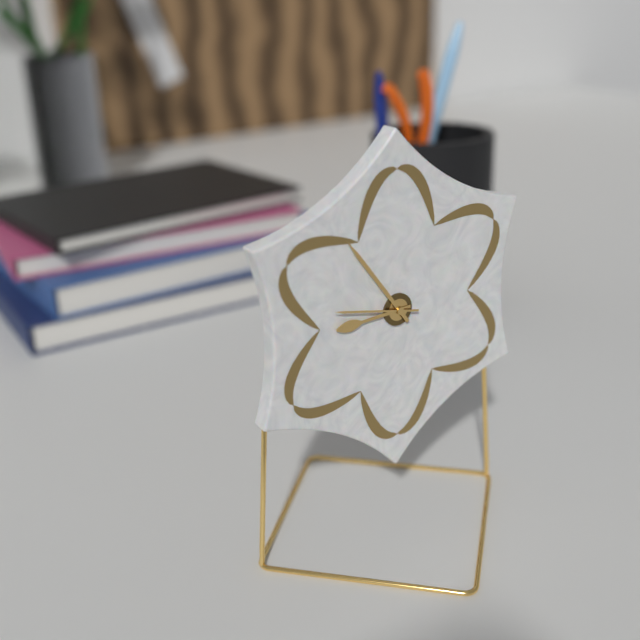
8:54:47
